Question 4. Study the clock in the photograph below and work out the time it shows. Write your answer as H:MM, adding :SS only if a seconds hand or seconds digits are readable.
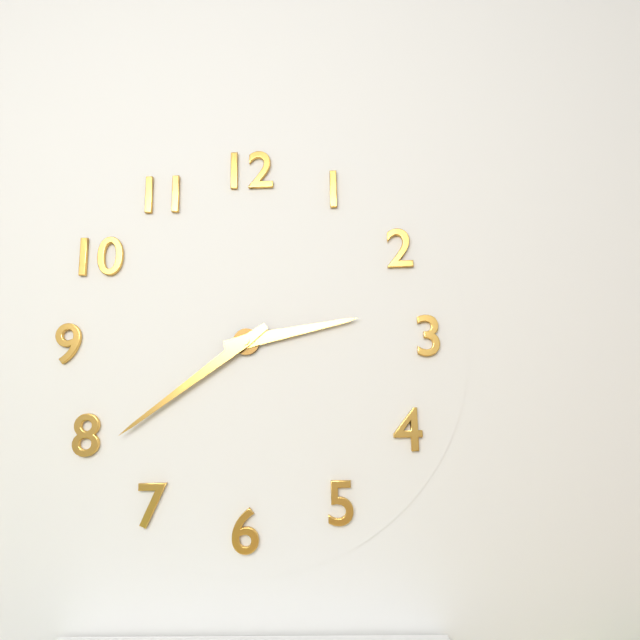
2:39
